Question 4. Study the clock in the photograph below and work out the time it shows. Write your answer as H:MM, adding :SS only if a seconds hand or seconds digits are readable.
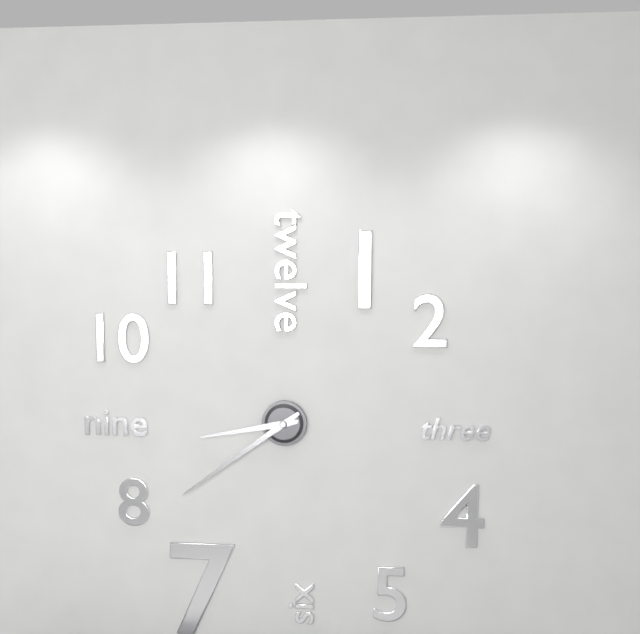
8:39
